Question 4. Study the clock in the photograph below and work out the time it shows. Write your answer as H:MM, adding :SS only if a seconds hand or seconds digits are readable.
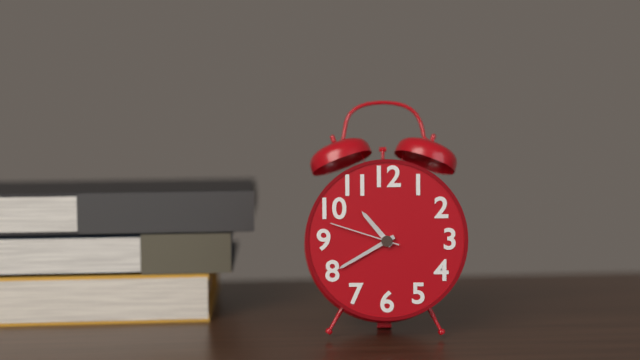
10:40:48
